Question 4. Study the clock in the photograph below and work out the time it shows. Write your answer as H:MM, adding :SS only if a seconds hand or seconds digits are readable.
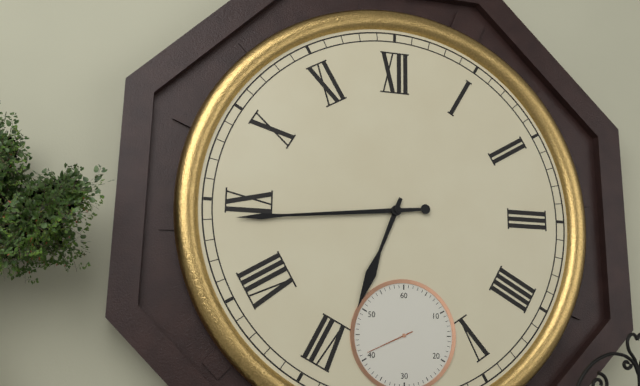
6:44:41
